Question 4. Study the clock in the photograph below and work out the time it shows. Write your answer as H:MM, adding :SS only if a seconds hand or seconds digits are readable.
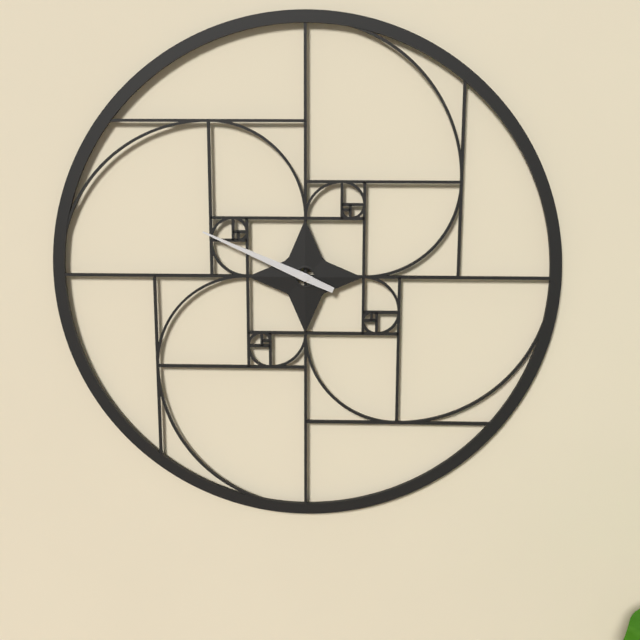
9:49
